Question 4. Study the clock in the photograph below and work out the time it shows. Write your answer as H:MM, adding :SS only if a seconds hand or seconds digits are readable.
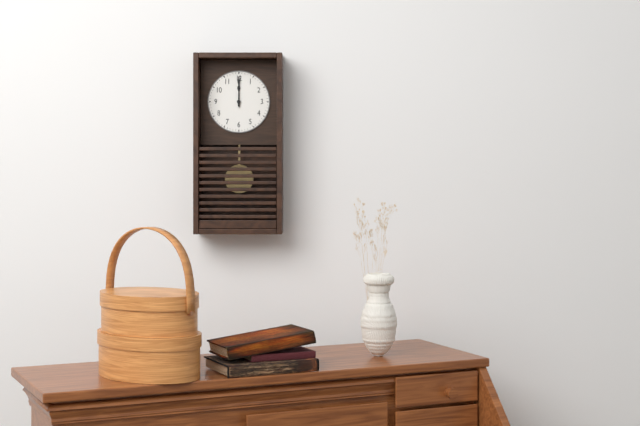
12:00
